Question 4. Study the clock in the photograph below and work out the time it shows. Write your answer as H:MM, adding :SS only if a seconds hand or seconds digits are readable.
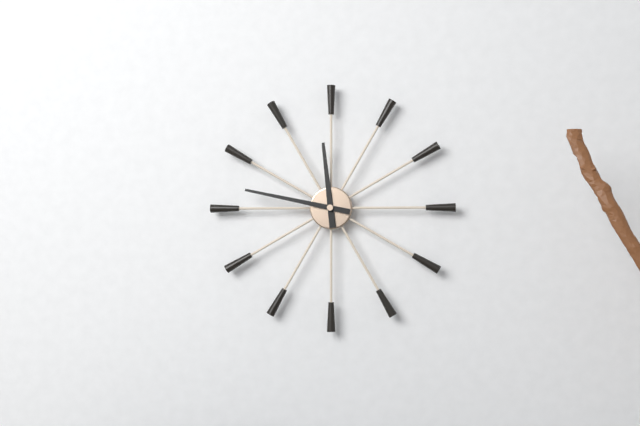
11:47
